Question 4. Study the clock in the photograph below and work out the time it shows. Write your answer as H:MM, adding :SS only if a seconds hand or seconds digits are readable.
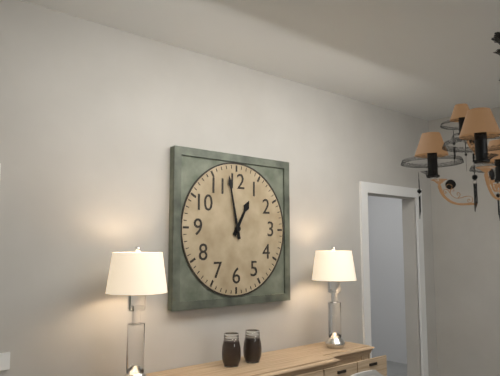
12:58
